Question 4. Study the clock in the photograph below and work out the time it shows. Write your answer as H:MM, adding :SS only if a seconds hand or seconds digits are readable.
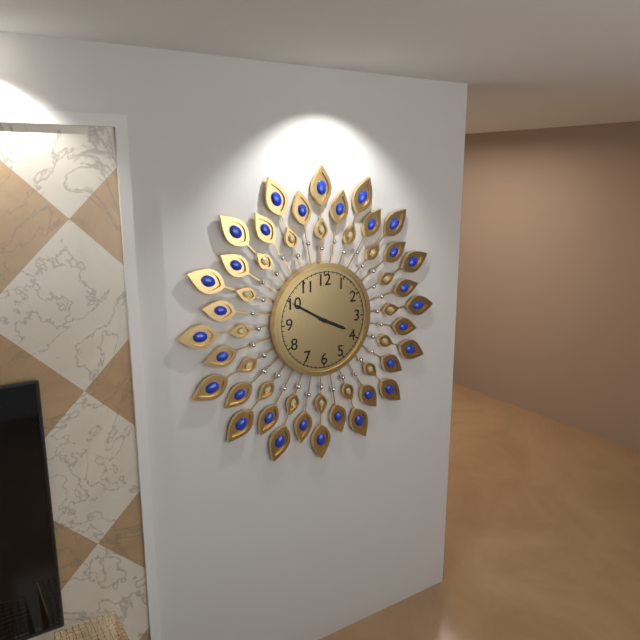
3:50
